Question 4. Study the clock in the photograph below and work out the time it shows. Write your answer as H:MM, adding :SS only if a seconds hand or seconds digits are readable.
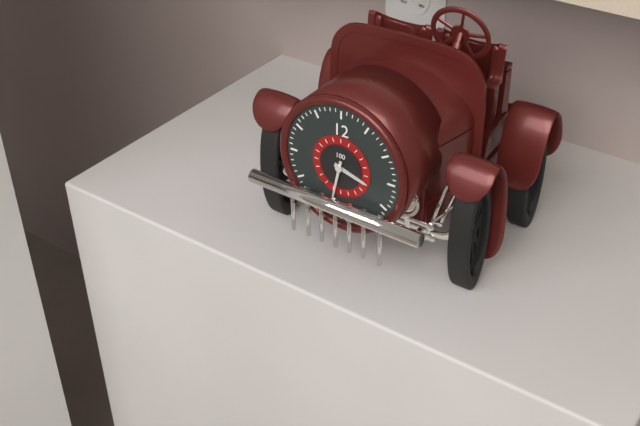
3:32
